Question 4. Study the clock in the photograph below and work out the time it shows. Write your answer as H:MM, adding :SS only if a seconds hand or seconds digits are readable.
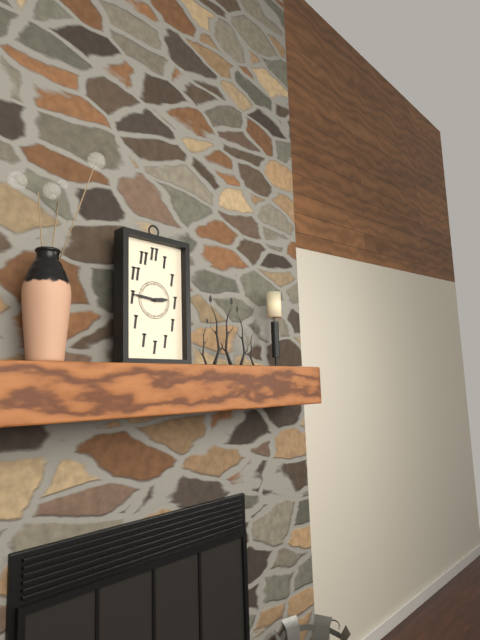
2:46
